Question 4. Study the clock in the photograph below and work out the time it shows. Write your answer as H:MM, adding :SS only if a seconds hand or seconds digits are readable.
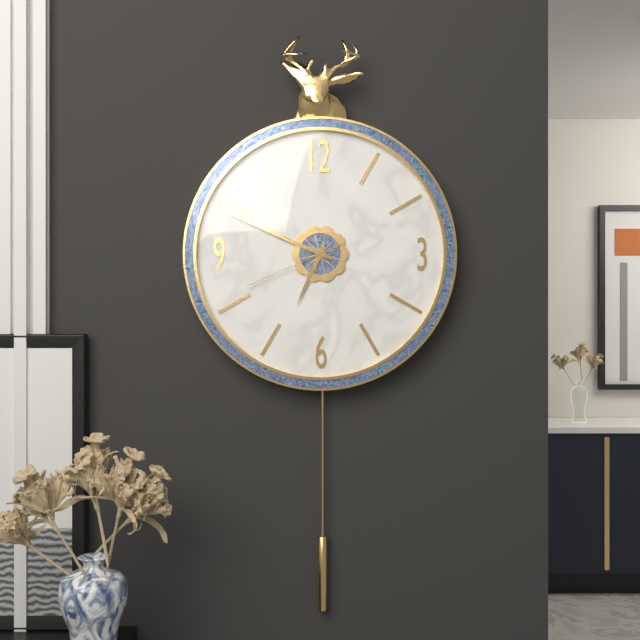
6:49:41
